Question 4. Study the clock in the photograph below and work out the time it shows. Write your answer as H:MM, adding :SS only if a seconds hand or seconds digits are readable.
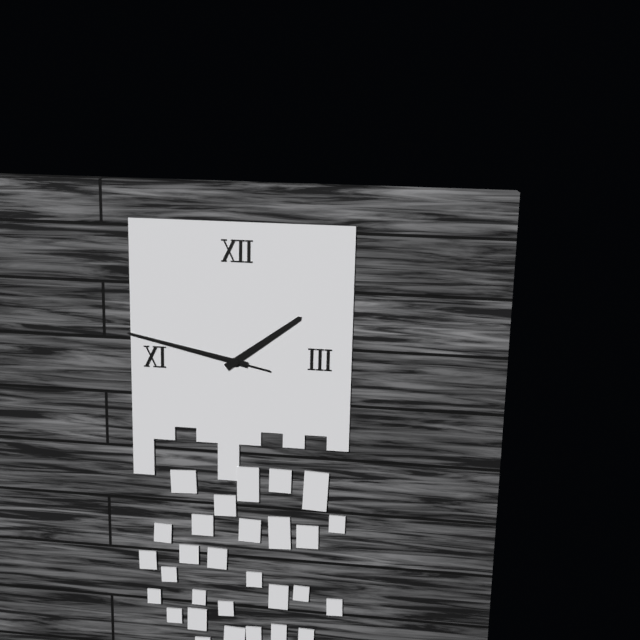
1:47:47
